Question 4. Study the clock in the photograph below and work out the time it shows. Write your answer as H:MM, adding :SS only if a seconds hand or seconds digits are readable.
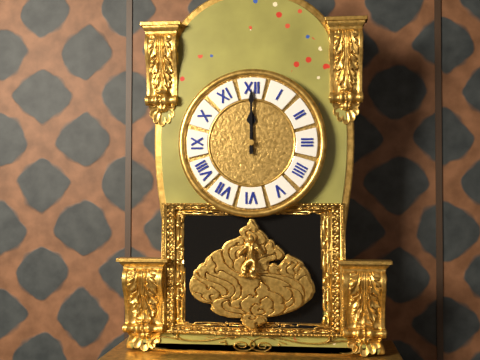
12:00
